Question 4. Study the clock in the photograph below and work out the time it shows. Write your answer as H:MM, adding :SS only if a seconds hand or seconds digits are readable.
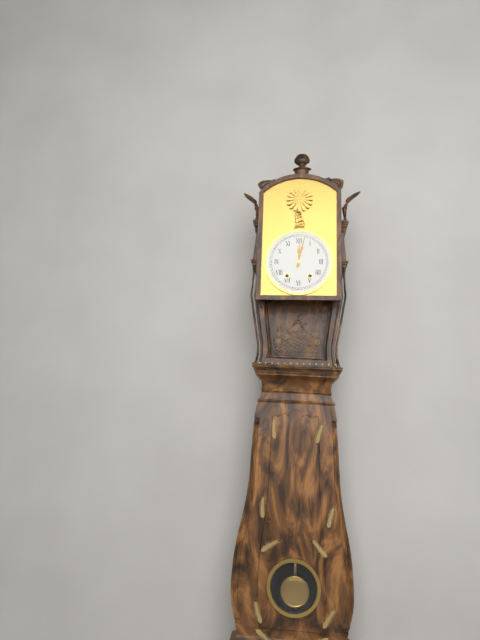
12:02
